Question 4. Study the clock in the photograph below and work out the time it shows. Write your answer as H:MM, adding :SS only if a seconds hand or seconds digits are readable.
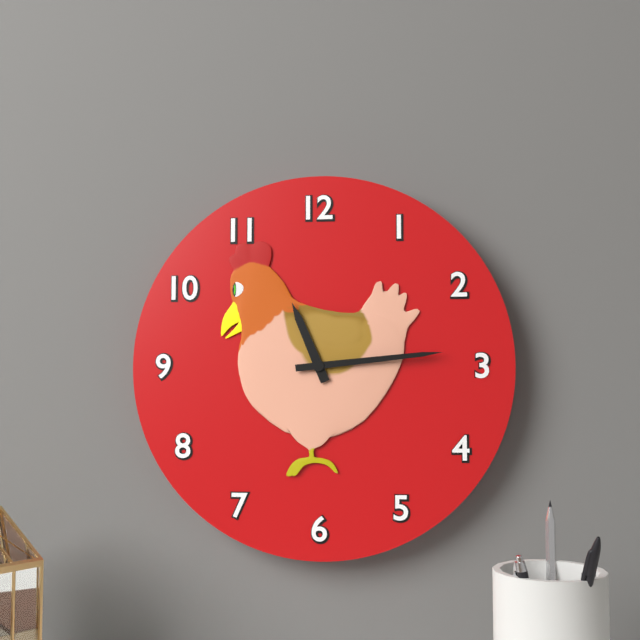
11:14
